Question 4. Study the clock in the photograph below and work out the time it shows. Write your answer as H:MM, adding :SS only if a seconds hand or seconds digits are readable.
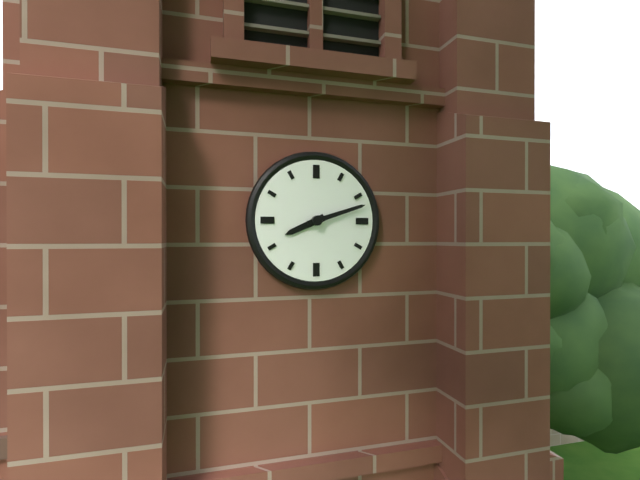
8:12
